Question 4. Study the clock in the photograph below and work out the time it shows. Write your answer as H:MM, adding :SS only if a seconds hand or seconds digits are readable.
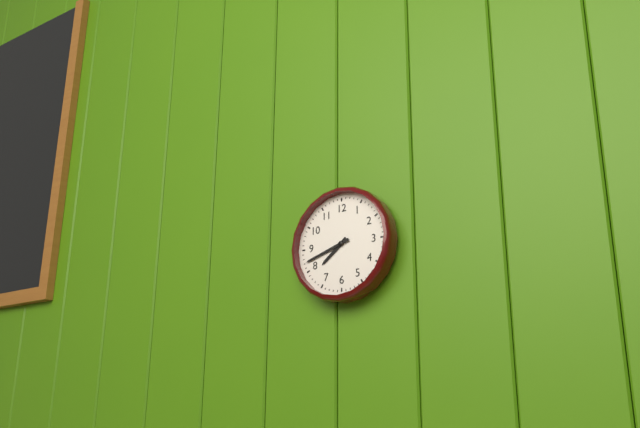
7:42
